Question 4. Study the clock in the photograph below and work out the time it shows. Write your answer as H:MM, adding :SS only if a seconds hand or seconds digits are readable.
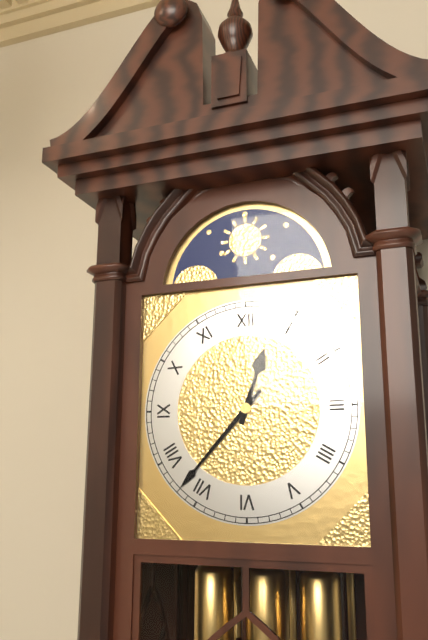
12:37
